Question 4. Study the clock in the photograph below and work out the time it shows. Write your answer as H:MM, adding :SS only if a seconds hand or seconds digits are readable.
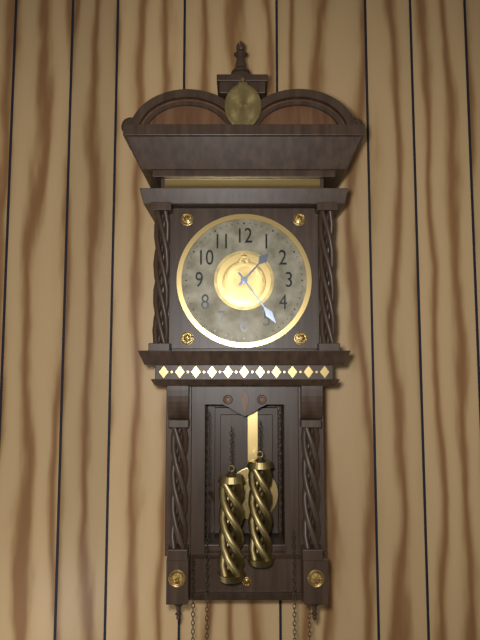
1:24
